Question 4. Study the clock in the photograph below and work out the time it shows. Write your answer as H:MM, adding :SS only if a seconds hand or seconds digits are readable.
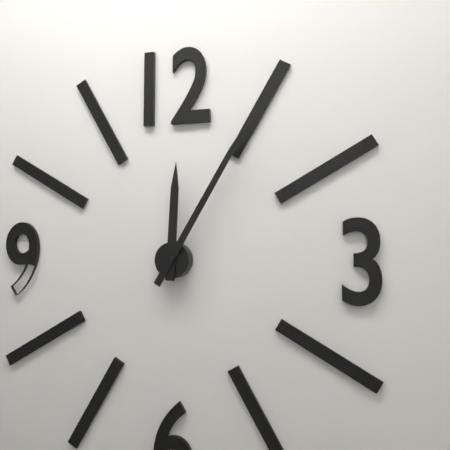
12:05
